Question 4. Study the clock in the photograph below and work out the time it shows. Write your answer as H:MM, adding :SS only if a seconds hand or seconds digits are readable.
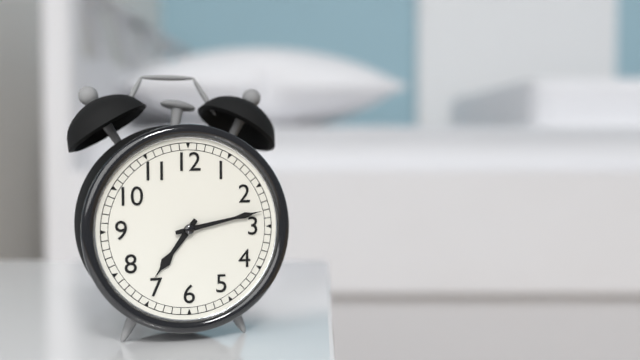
7:13
